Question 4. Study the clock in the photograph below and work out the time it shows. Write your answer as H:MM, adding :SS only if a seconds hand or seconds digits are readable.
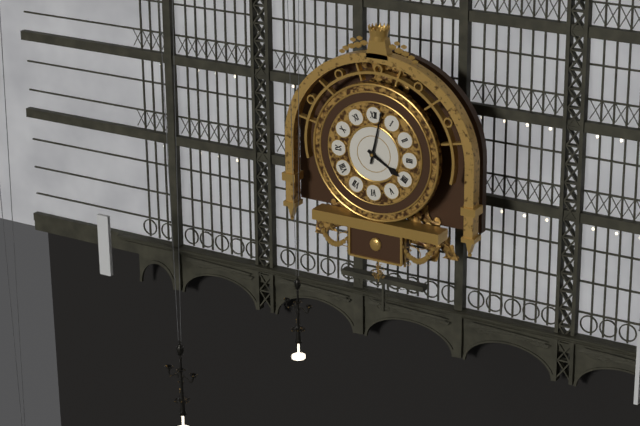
4:02
